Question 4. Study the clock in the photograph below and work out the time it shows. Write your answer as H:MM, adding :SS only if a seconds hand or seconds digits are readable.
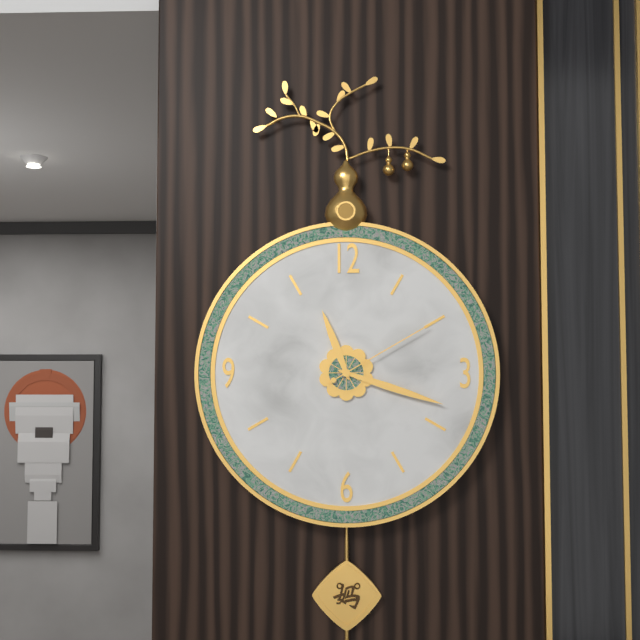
11:18:10
